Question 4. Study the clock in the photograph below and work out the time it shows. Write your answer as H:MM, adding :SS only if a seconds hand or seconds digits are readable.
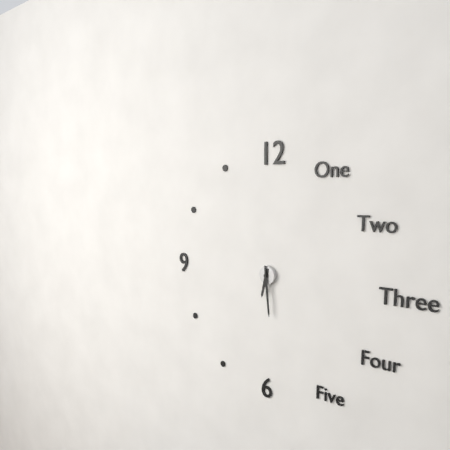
6:29
